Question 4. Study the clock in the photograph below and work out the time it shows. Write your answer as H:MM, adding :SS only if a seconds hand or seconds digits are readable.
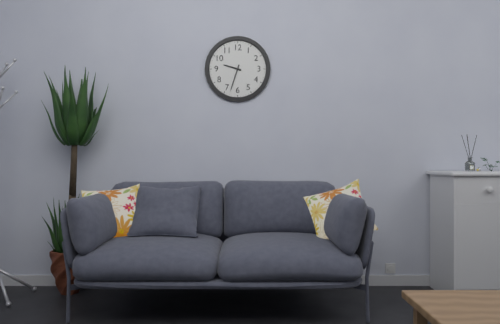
9:33
